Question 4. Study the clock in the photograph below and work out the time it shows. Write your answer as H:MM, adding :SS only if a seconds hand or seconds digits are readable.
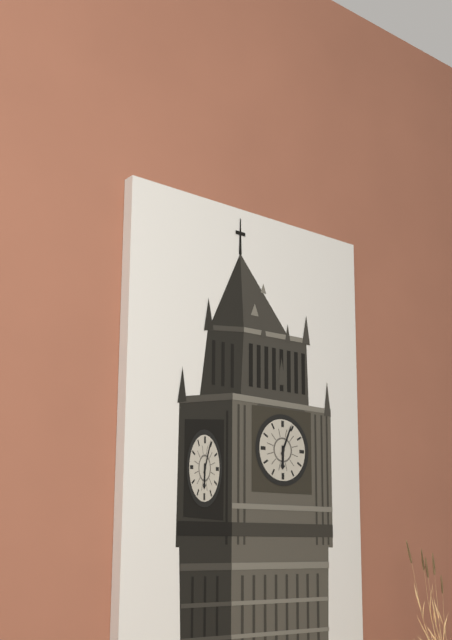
6:04
